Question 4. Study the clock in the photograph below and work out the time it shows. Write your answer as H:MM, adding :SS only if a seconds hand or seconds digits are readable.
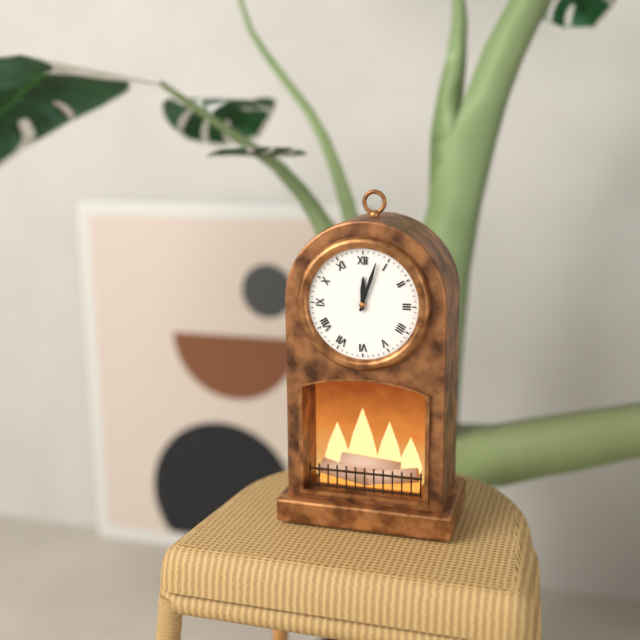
12:03
